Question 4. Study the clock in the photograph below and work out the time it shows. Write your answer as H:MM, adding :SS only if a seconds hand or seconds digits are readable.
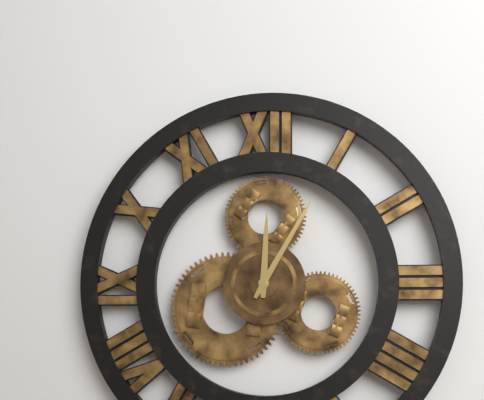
12:05
